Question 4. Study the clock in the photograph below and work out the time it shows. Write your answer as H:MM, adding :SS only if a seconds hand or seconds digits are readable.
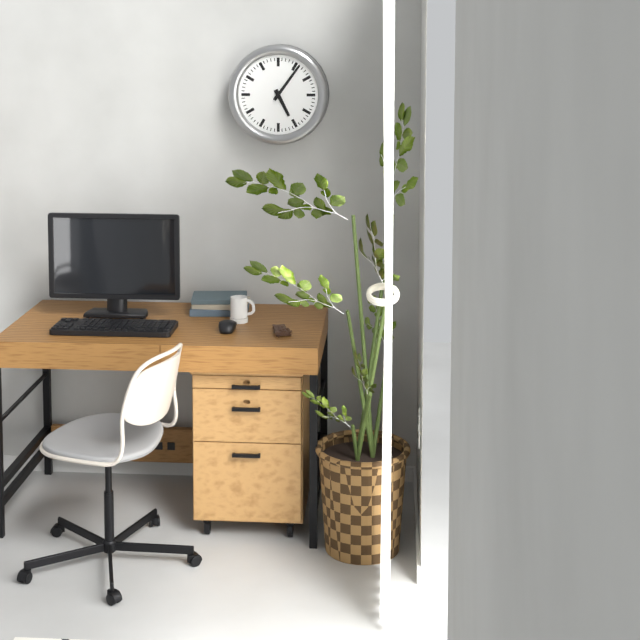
5:06
